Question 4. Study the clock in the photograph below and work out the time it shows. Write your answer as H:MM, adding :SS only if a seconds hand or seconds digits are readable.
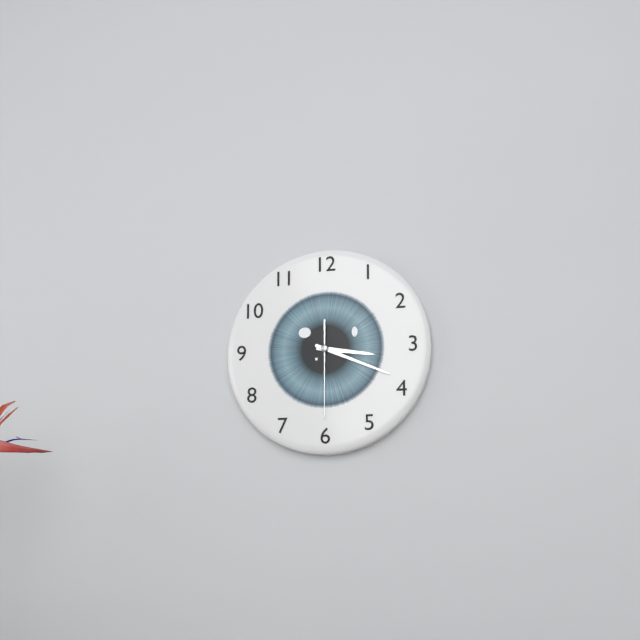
3:19:30
